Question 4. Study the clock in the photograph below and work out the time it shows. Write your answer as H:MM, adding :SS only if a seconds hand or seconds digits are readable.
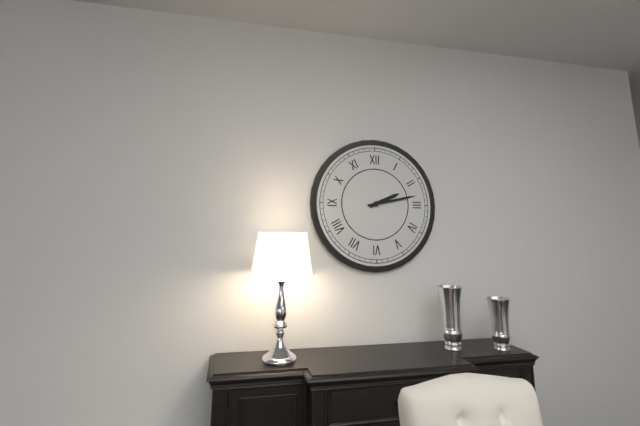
2:13
